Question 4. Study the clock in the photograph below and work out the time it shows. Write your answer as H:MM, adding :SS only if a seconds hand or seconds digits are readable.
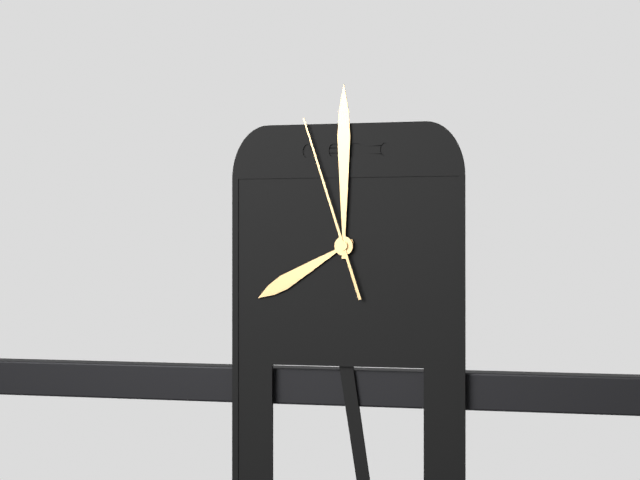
8:00:57
